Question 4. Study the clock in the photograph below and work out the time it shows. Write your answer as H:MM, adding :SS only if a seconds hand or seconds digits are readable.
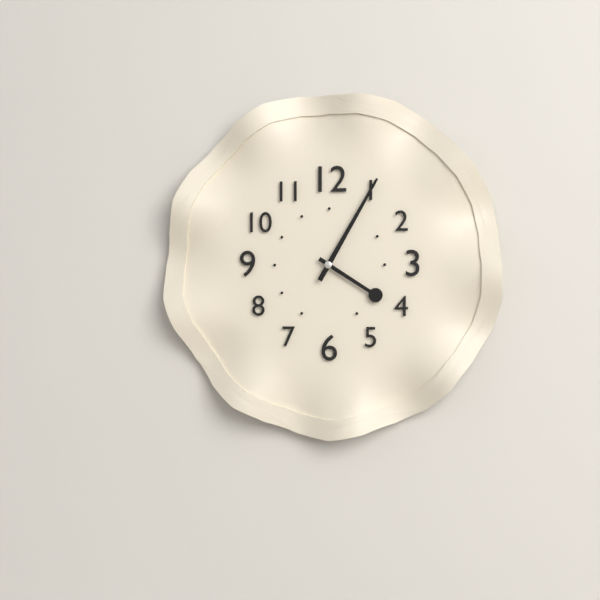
4:05
